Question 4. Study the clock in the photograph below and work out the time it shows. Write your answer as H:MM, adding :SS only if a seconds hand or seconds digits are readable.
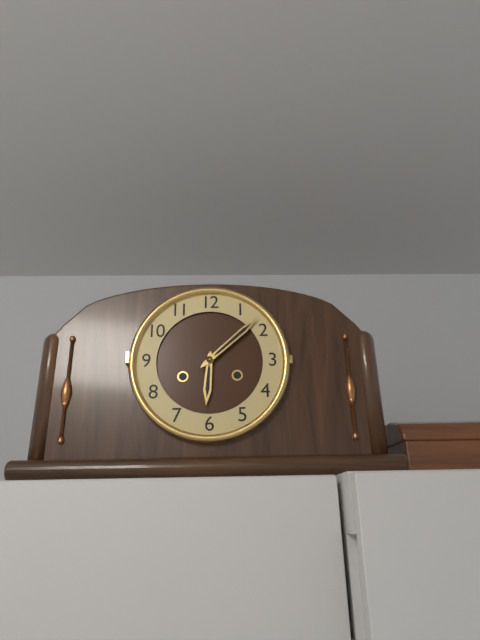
6:08
